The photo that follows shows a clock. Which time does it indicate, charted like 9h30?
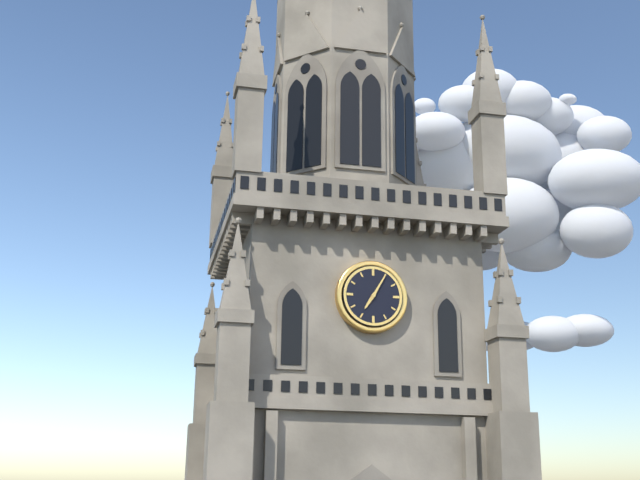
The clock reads 7h05
